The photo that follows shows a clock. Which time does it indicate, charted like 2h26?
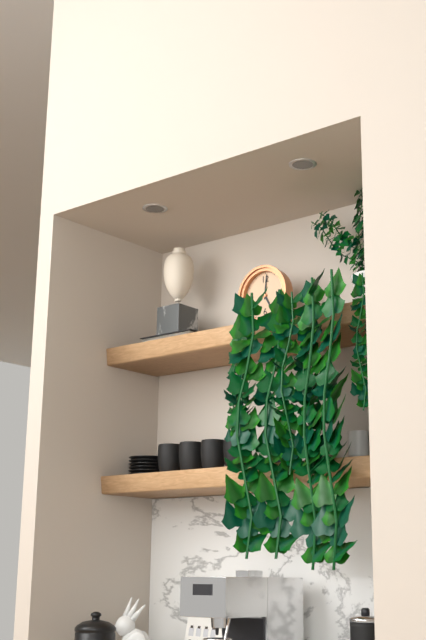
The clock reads 5h01
